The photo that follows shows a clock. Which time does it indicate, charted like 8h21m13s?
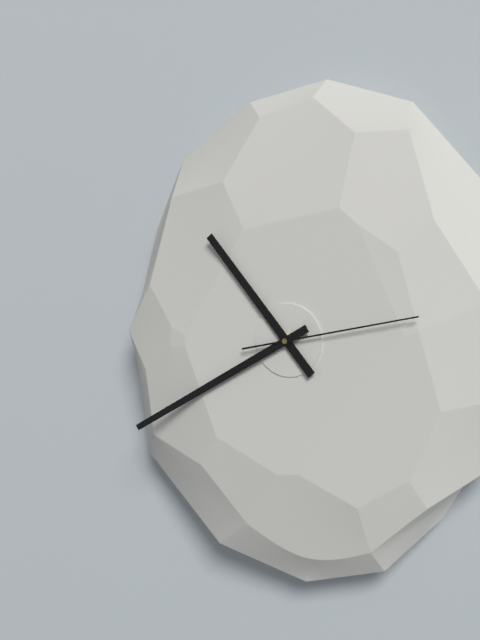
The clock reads 10h40m13s
